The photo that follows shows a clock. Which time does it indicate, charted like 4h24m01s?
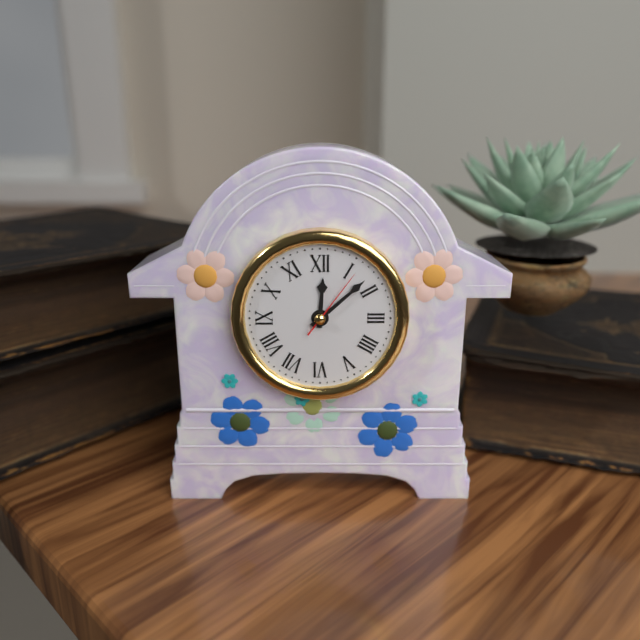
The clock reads 12h08m06s
